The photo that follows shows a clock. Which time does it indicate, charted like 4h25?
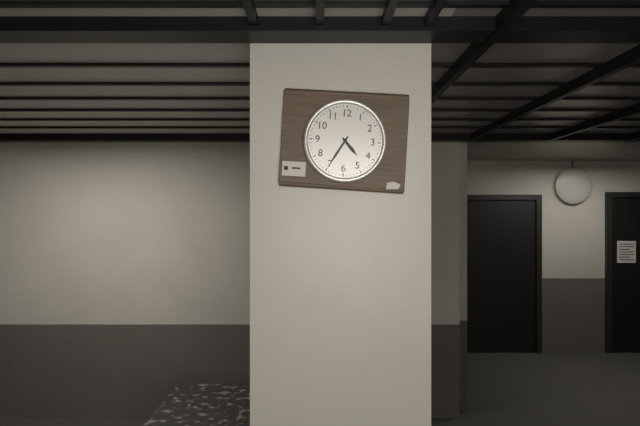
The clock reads 4h35
